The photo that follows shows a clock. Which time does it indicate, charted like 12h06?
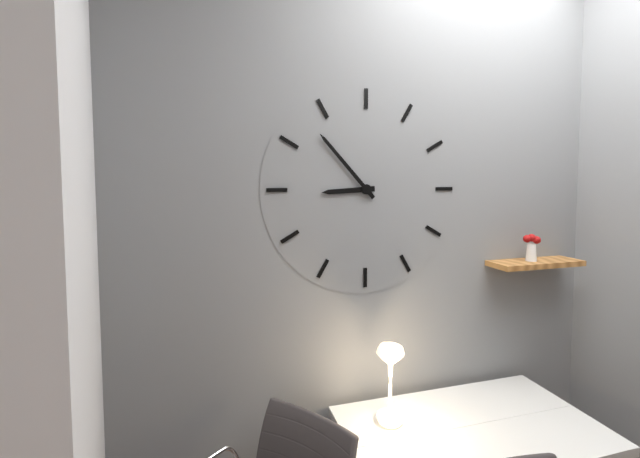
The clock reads 8h53
